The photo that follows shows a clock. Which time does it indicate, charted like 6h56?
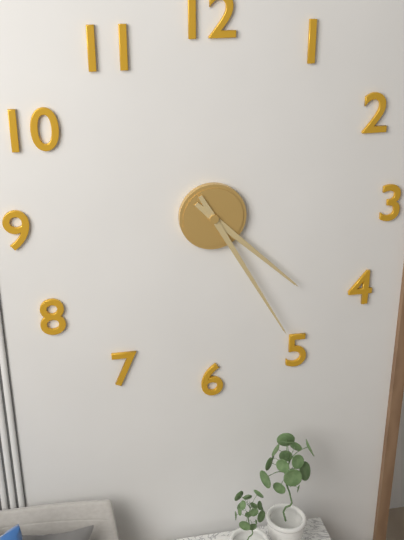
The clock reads 4h25
